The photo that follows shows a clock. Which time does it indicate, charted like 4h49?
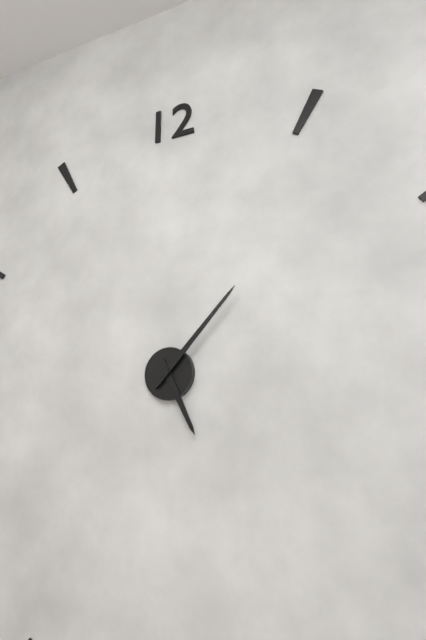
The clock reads 5h07
